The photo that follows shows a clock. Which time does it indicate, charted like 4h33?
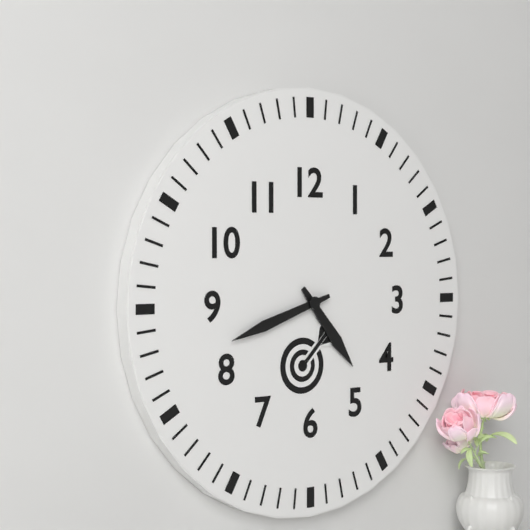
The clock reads 4h42
